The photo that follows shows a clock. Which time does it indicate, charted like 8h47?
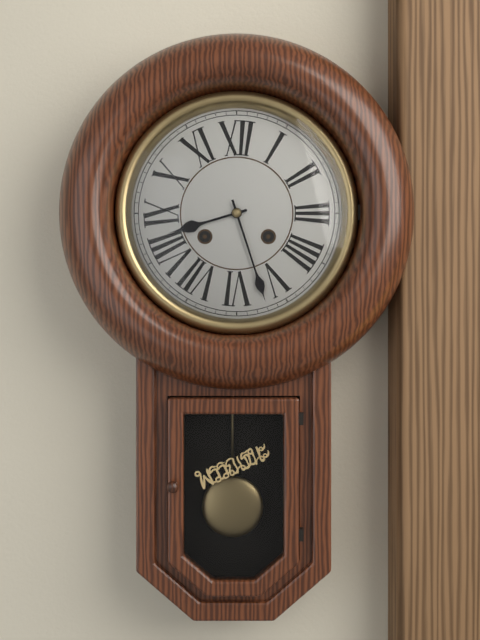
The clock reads 8h27
